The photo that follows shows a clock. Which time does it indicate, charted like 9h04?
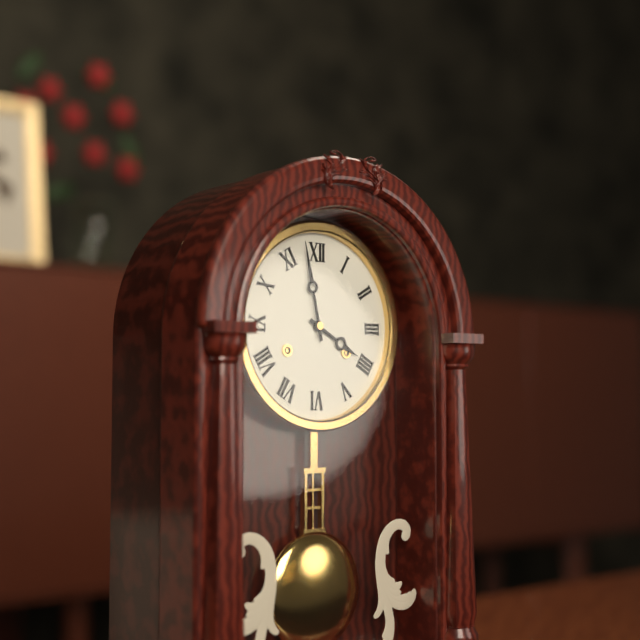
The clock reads 3h58
